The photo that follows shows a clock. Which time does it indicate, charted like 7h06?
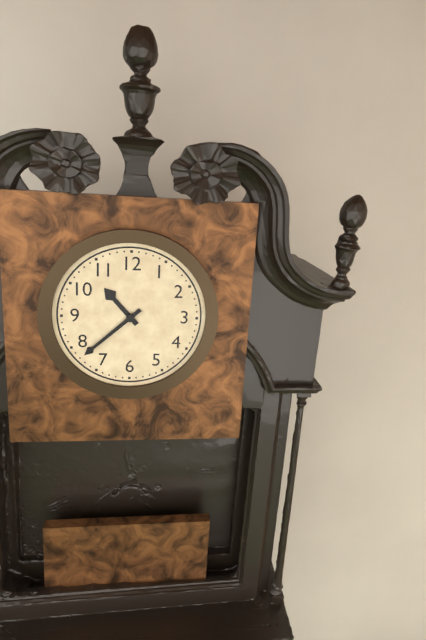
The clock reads 10h38
